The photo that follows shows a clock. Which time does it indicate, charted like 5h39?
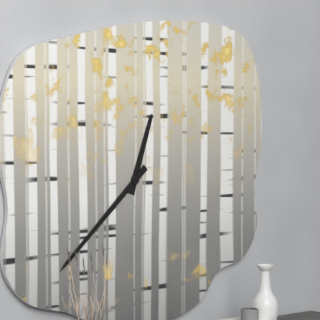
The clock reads 12h38
